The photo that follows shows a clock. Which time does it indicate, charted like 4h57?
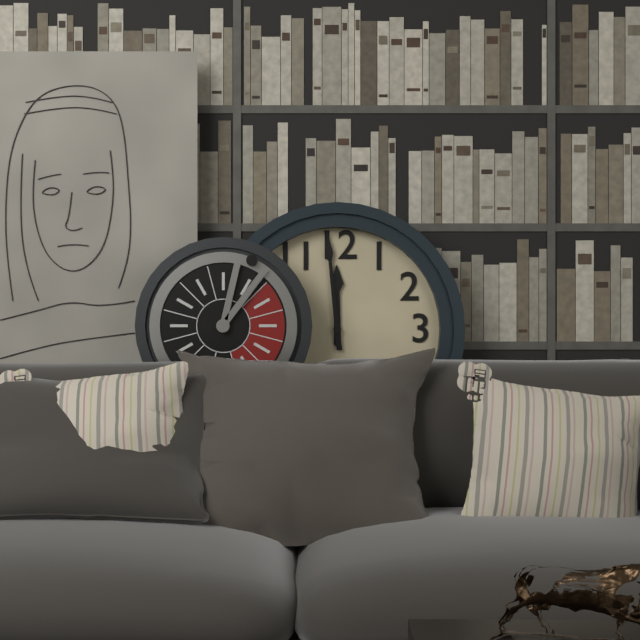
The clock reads 11h59
